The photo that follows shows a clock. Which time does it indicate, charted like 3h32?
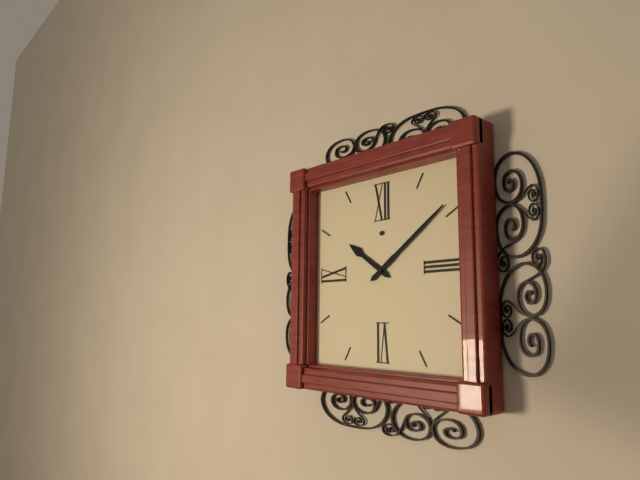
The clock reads 10h09
